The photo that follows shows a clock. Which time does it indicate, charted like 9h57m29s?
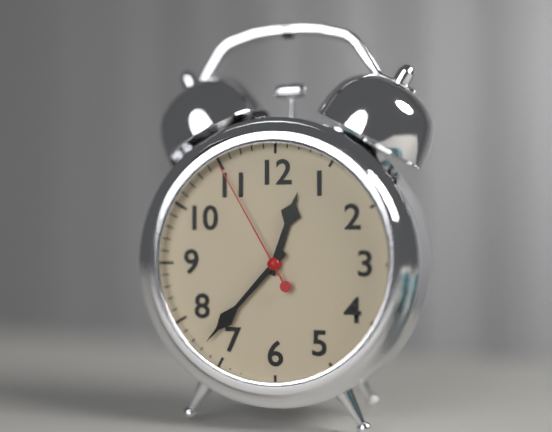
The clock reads 12h37m55s
